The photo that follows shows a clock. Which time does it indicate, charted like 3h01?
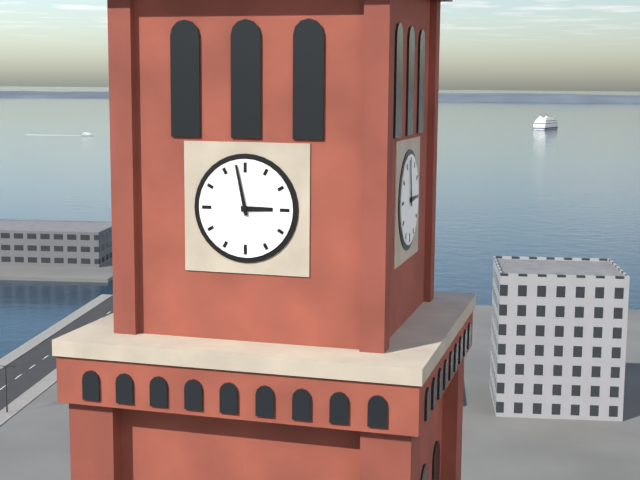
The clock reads 2h58
